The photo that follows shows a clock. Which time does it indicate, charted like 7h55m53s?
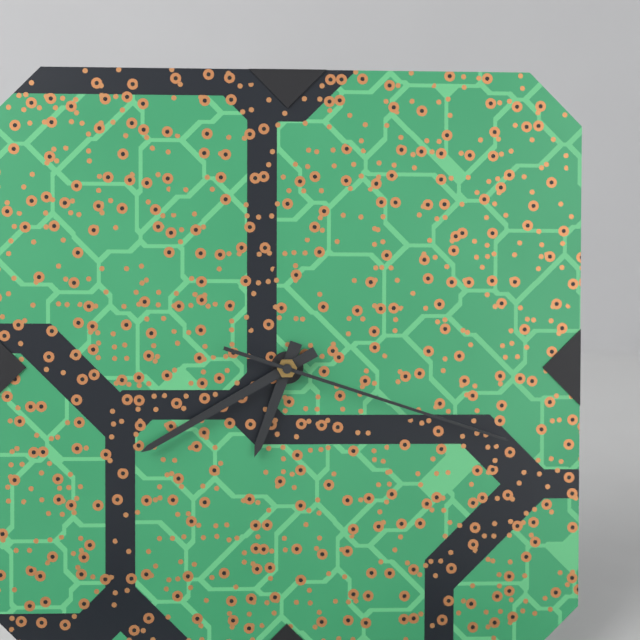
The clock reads 6h40m18s
